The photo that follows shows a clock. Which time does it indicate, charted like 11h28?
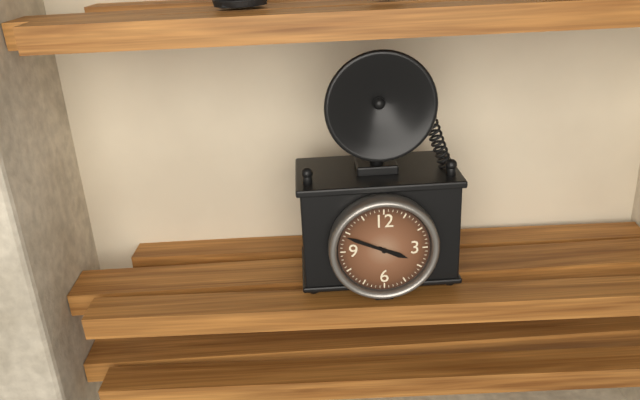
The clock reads 3h49
